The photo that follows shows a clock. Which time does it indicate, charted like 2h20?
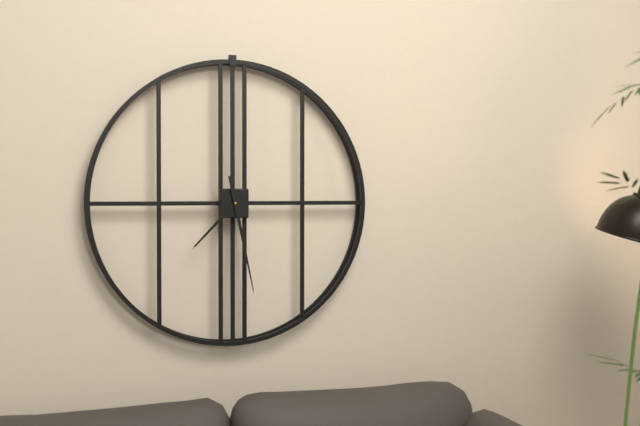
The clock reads 7h28
